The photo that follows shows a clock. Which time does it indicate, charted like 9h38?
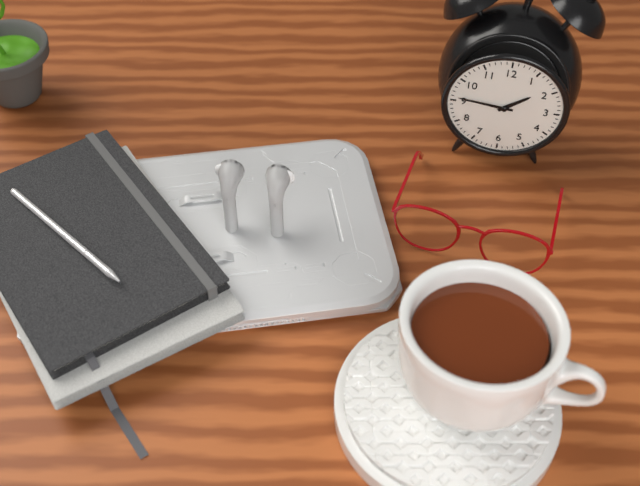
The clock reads 1h46
